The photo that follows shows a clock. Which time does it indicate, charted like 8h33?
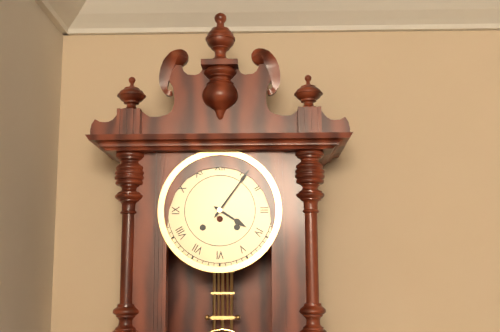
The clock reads 4h06
